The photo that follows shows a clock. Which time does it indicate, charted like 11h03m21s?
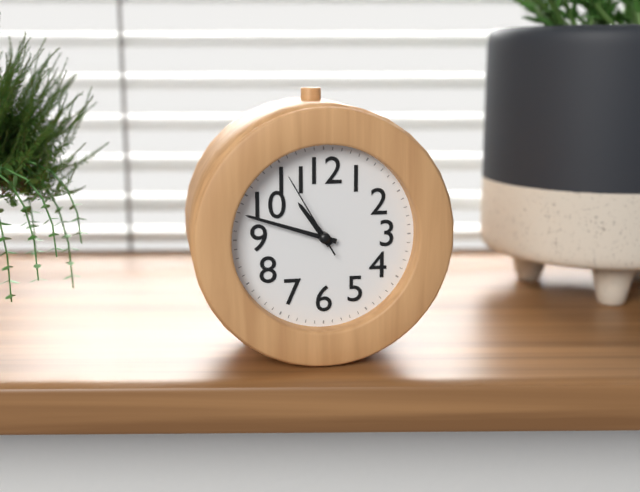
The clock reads 10h48m55s
